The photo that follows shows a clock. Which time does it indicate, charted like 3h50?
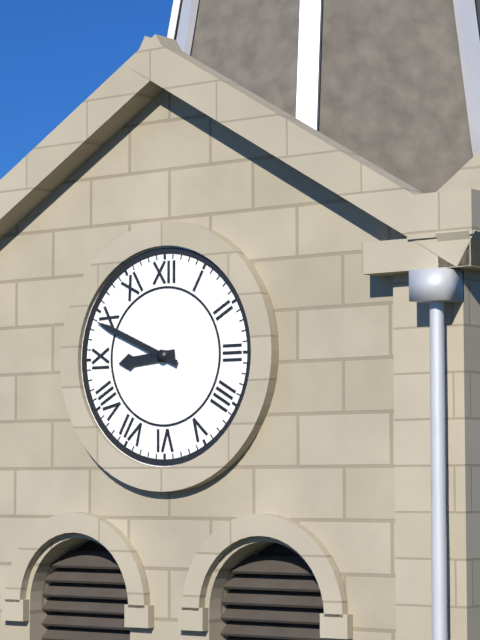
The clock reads 8h49
